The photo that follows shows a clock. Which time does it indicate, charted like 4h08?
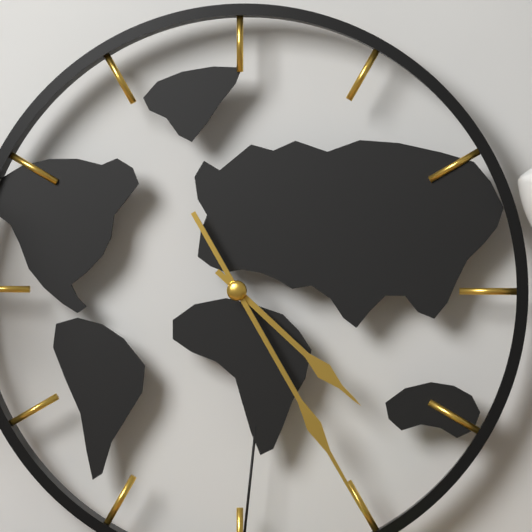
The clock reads 4h25
